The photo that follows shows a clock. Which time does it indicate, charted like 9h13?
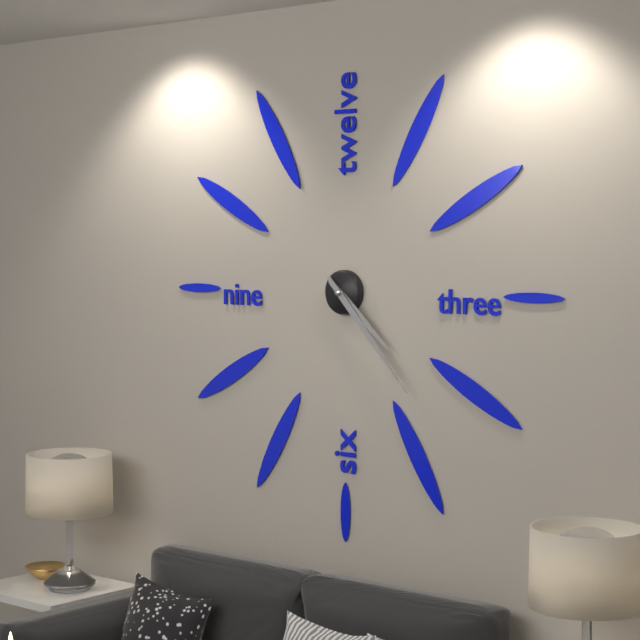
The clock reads 4h23
